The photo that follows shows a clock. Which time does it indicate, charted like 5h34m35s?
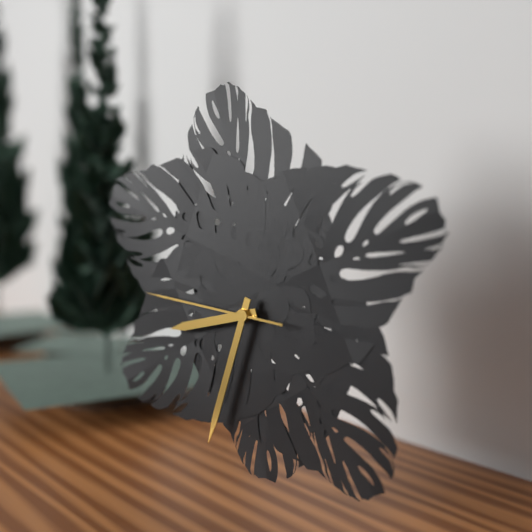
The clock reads 8h33m46s
